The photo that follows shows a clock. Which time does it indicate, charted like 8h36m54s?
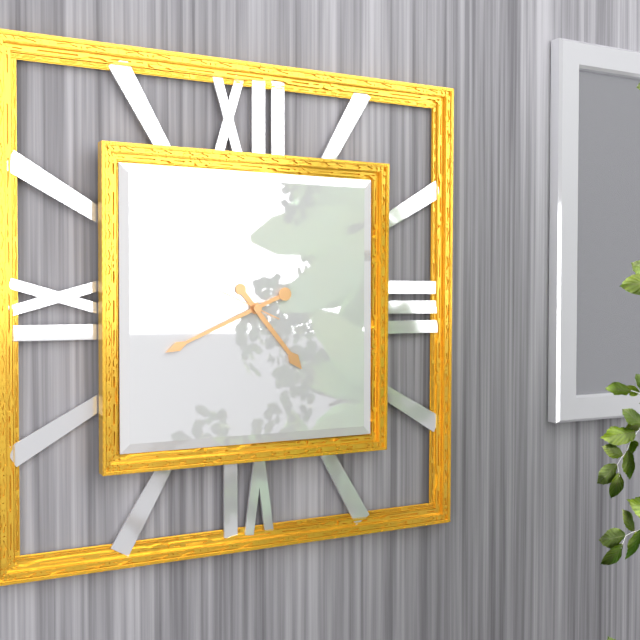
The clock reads 4h41m49s
